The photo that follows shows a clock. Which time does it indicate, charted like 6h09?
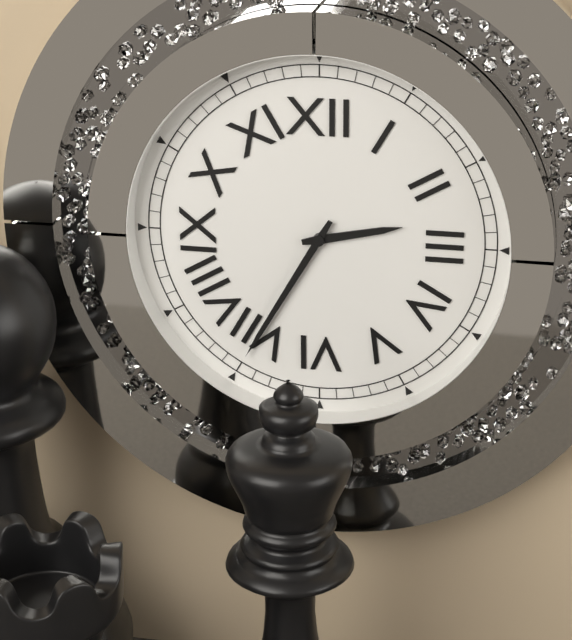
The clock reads 2h35
